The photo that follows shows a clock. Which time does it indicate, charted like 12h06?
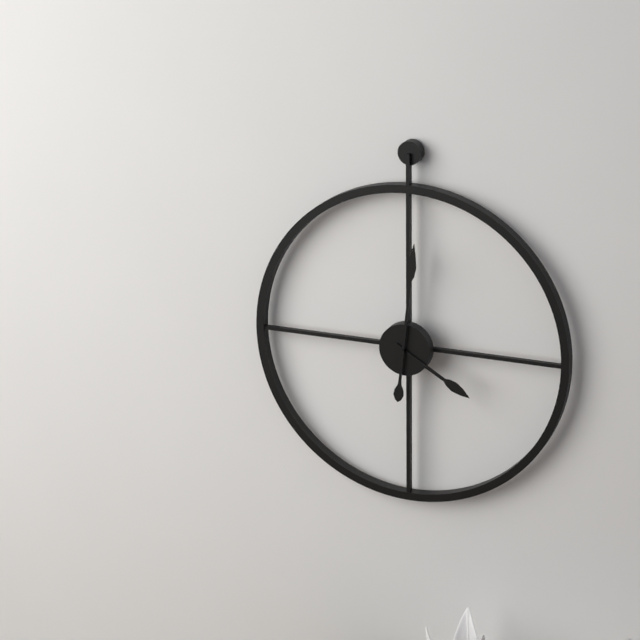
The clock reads 4h01
